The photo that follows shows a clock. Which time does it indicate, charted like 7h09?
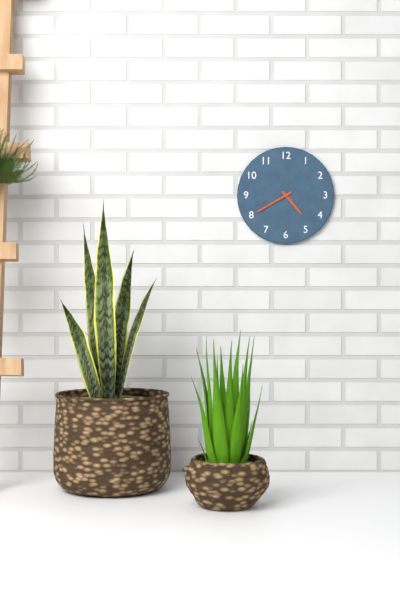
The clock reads 4h40
